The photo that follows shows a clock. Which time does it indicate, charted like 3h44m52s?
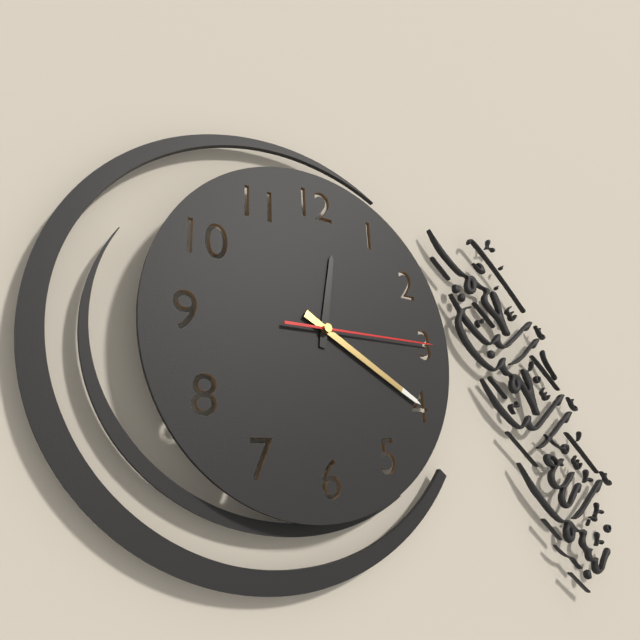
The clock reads 12h20m15s
